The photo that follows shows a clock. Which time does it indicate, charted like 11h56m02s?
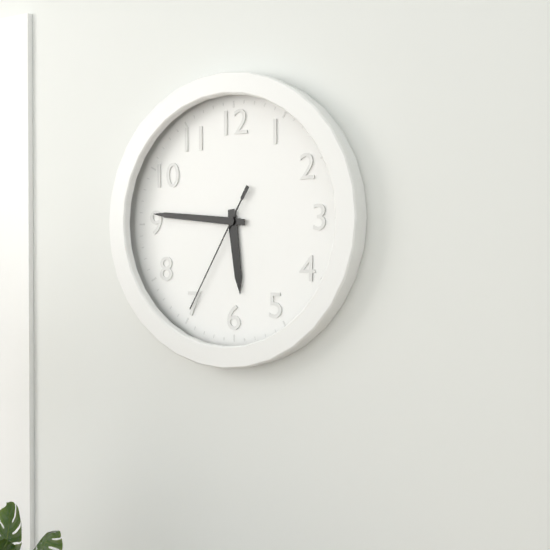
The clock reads 5h46m35s
